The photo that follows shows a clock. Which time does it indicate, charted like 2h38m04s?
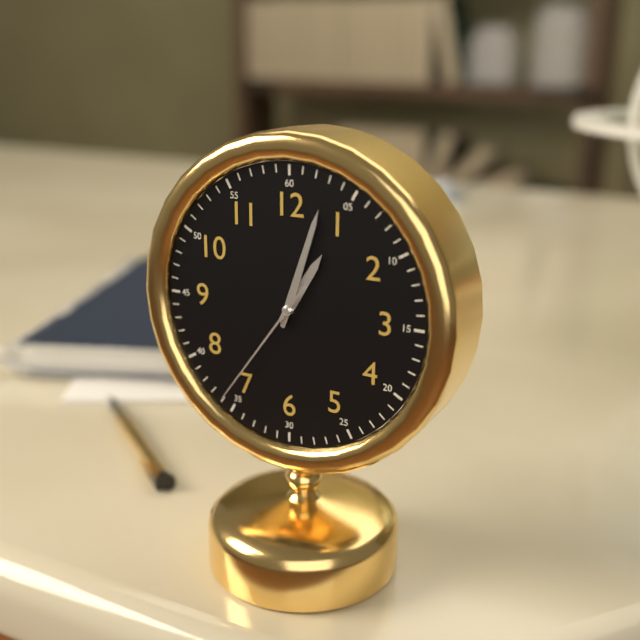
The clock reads 1h03m36s
